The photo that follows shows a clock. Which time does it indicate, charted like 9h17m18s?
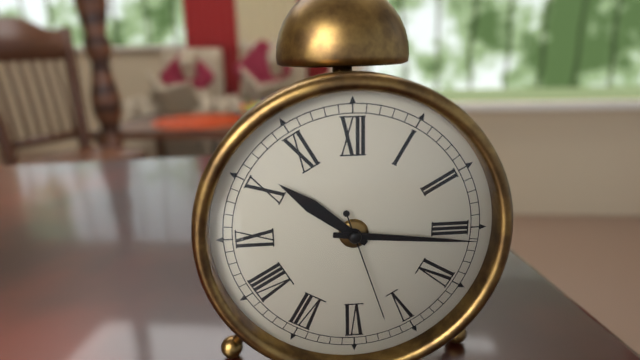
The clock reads 10h16m27s
